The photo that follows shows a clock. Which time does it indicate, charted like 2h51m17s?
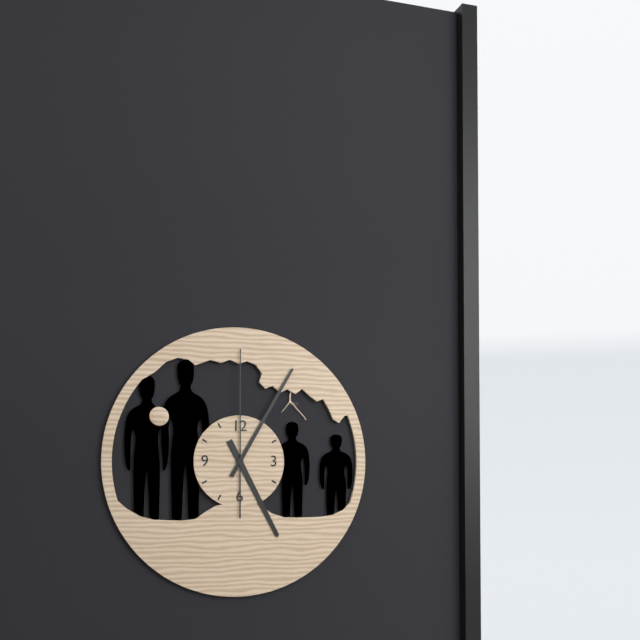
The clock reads 5h05m00s
